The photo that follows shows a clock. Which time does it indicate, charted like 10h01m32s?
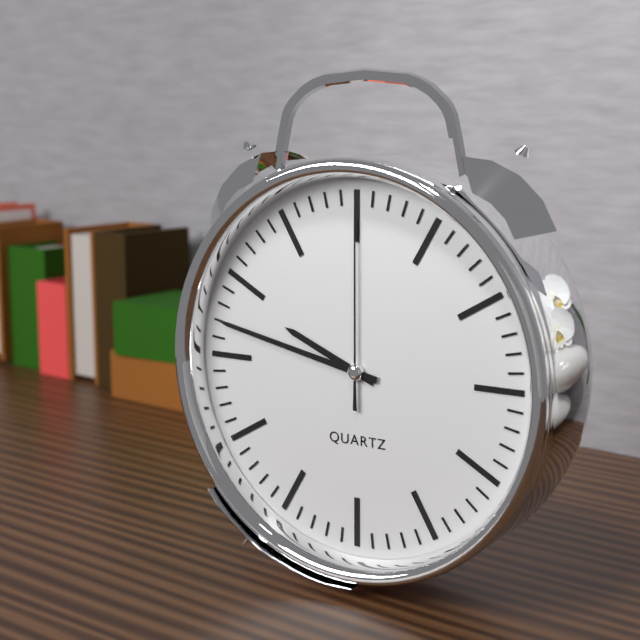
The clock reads 9h47m00s
